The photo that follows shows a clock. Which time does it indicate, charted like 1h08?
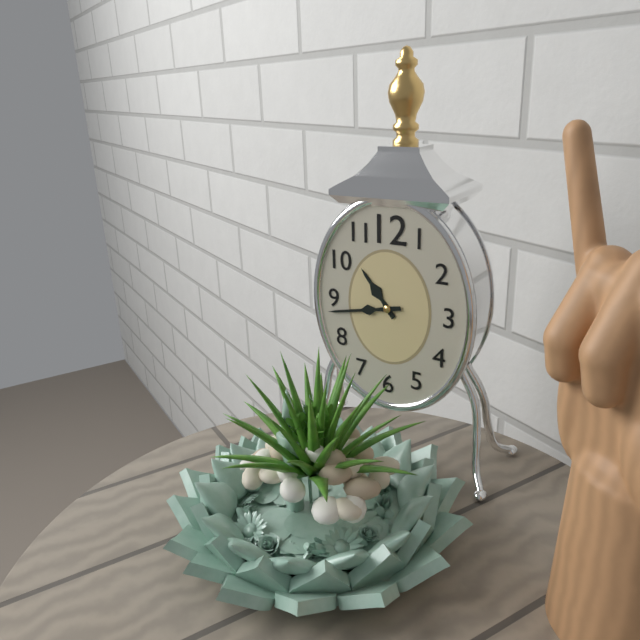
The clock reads 10h43
